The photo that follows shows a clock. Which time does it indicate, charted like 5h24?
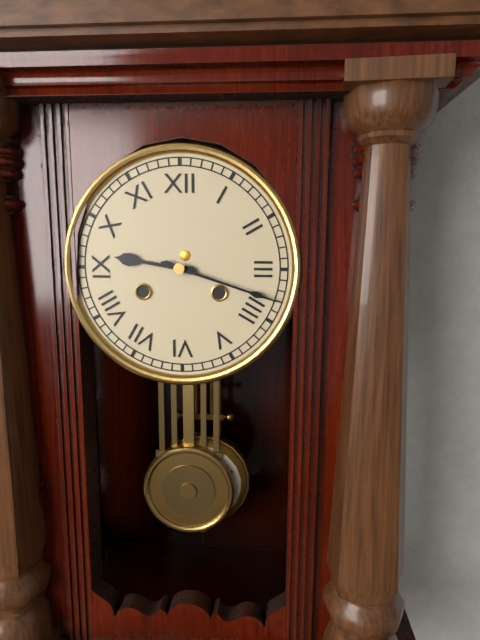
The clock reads 9h18
